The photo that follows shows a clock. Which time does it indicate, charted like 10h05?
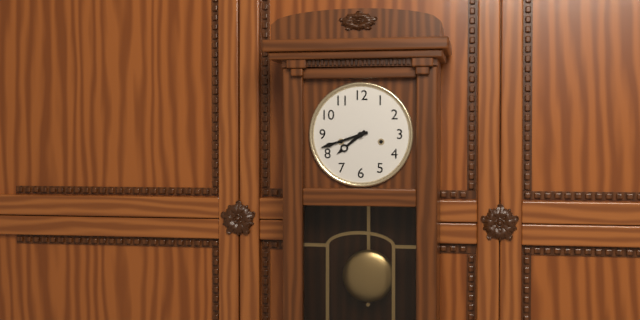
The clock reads 7h42
